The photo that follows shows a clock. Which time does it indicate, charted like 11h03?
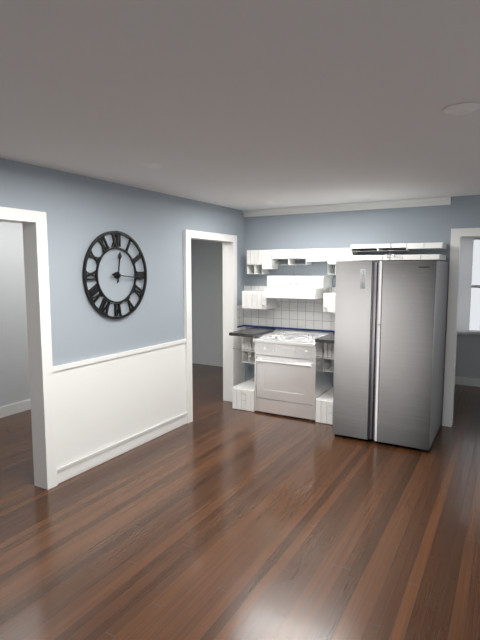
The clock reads 12h16
